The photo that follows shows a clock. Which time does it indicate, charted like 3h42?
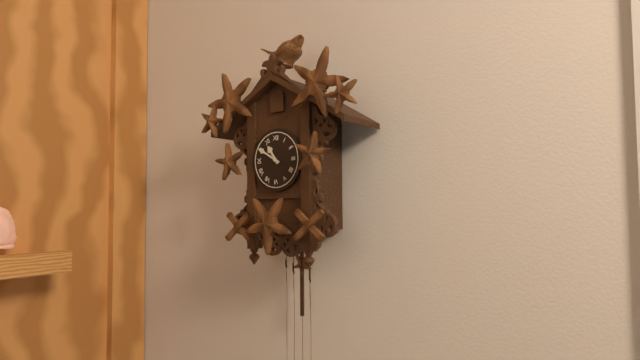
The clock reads 10h50
